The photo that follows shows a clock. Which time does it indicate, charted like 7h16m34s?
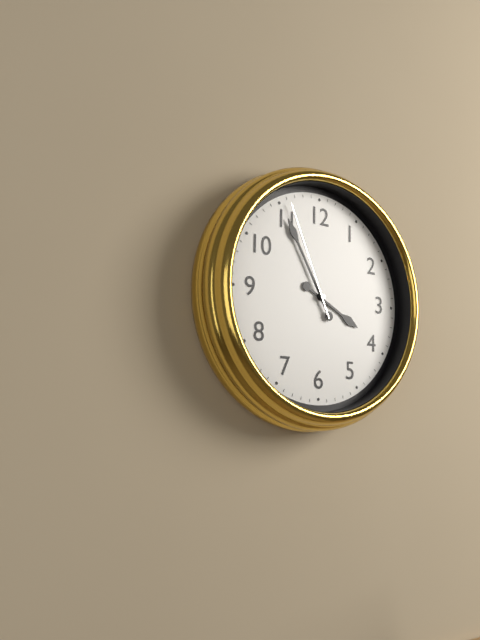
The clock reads 3h55m56s
